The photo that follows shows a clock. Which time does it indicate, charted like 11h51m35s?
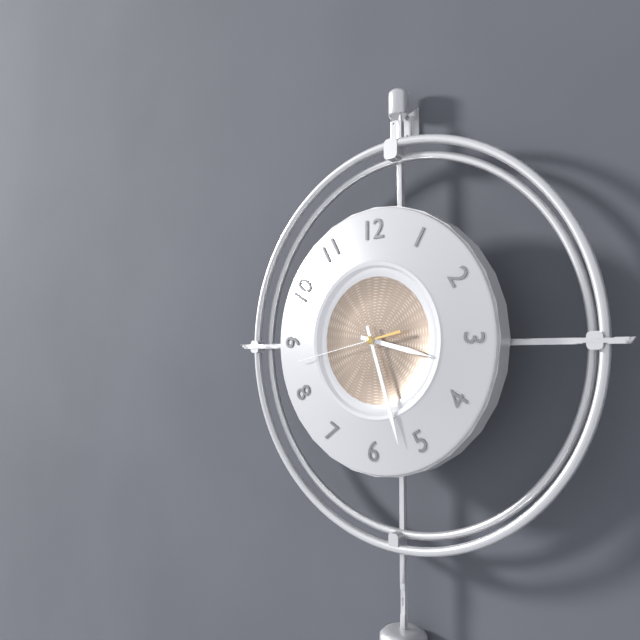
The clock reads 3h27m43s
